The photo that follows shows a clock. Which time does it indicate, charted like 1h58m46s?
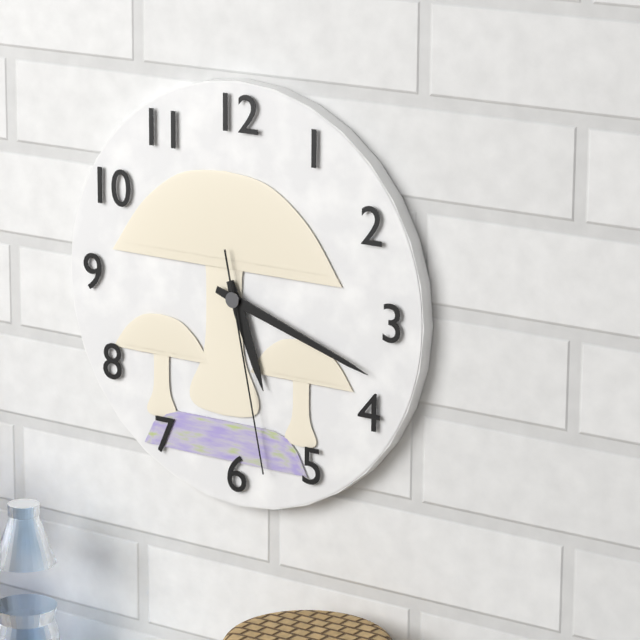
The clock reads 5h18m28s
